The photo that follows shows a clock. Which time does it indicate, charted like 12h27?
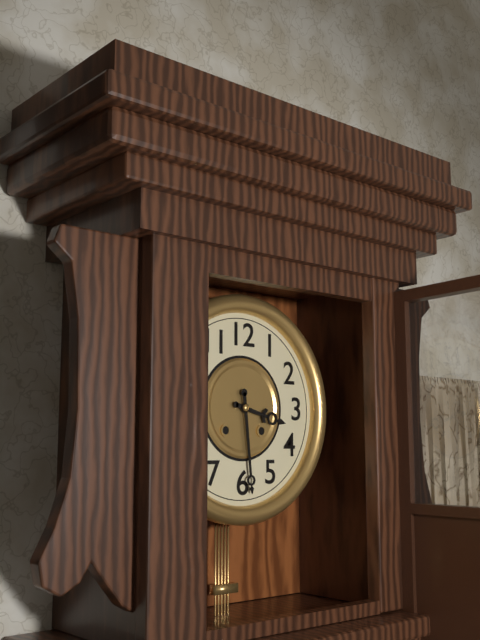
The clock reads 3h29
